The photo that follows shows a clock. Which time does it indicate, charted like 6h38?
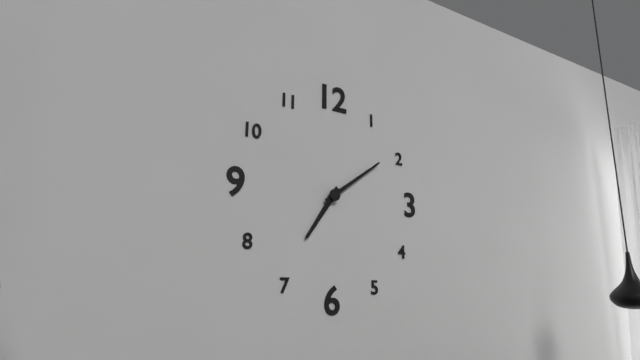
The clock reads 7h09
